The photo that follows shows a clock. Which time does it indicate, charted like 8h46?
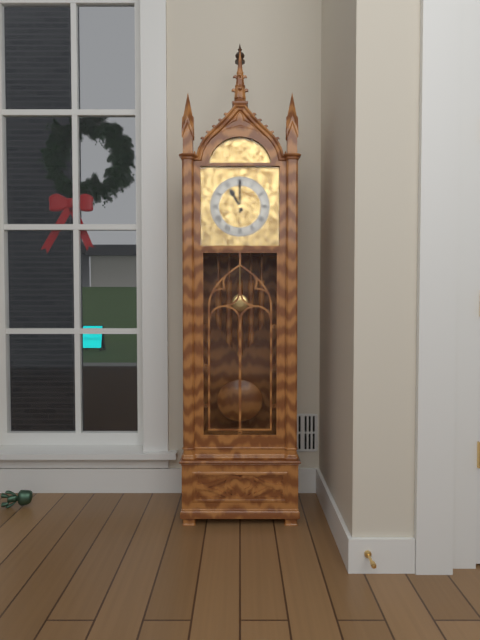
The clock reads 11h00
